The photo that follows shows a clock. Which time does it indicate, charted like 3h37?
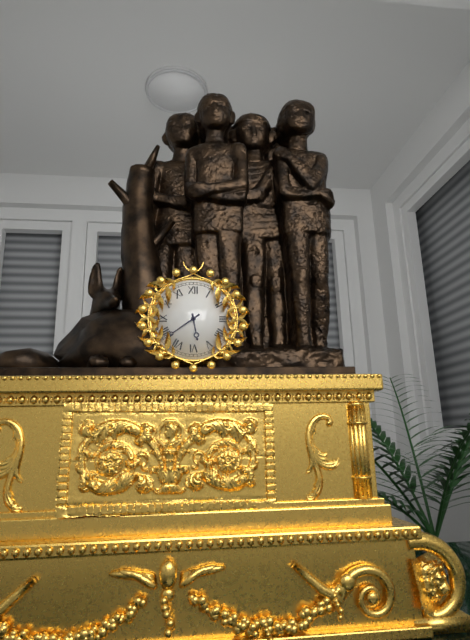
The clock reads 5h39
